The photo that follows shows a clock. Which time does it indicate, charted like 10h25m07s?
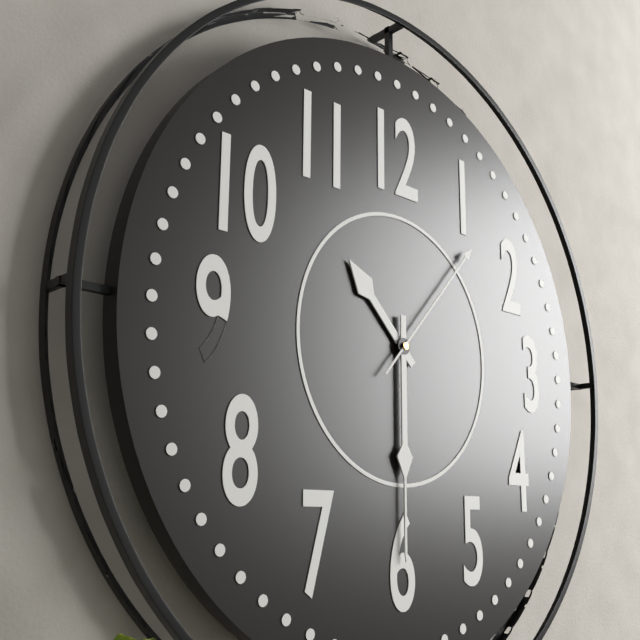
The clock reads 10h30m07s
